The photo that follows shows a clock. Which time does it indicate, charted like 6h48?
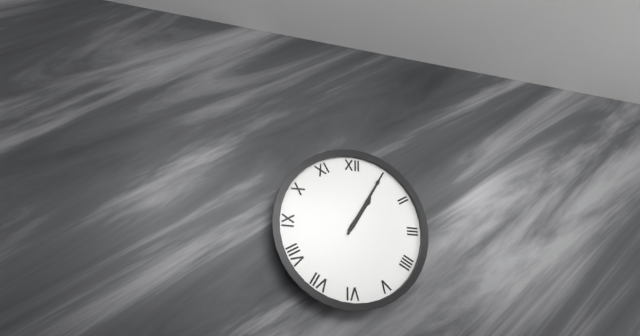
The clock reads 1h05
